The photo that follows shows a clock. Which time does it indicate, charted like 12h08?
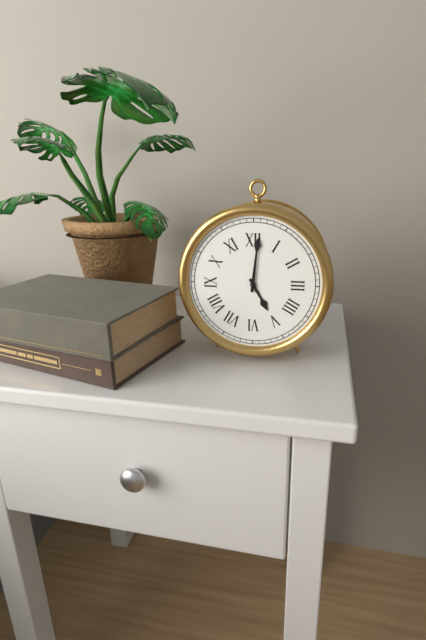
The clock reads 5h01
